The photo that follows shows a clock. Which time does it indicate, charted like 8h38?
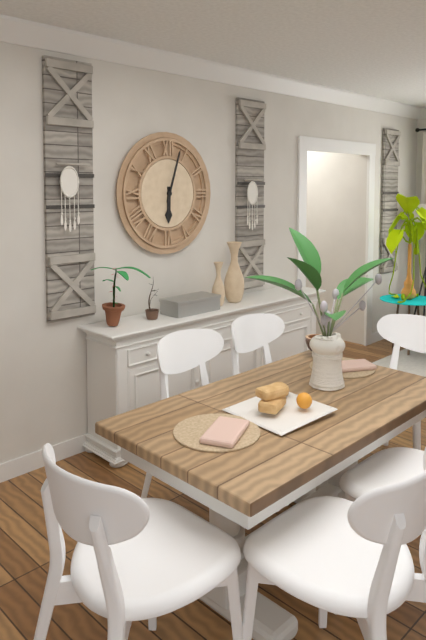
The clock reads 6h03
